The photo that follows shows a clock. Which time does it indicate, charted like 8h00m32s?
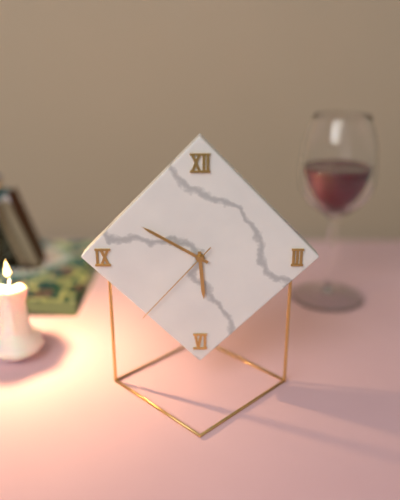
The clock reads 5h50m37s
